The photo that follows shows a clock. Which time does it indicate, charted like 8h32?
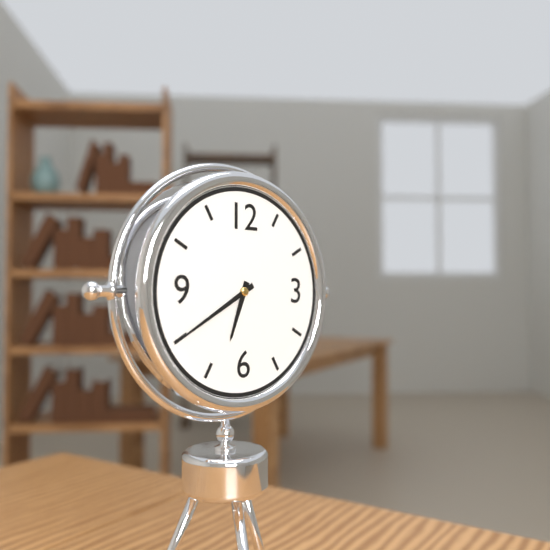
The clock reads 6h40
